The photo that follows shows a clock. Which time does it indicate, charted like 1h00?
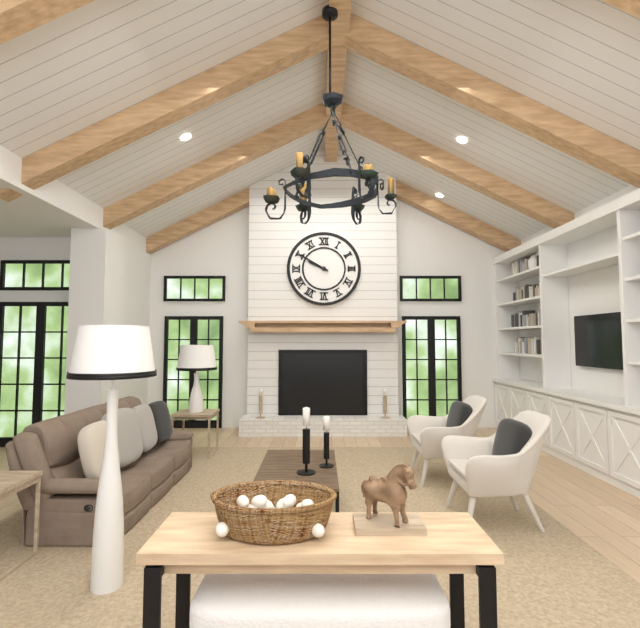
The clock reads 9h50
